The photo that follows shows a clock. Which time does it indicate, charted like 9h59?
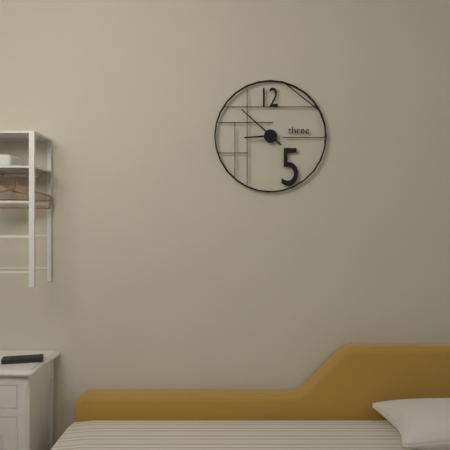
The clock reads 8h52
